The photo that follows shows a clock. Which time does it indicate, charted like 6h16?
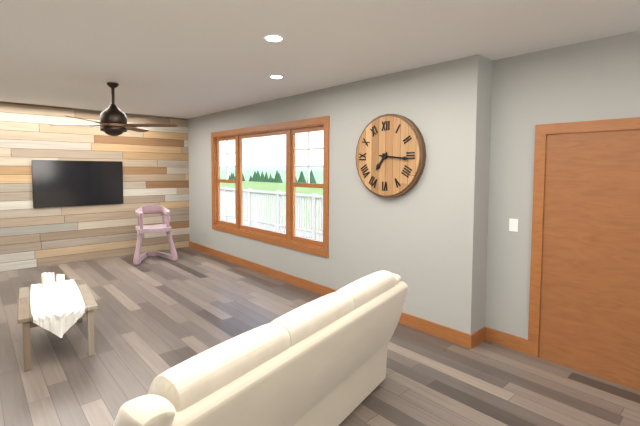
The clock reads 7h16
